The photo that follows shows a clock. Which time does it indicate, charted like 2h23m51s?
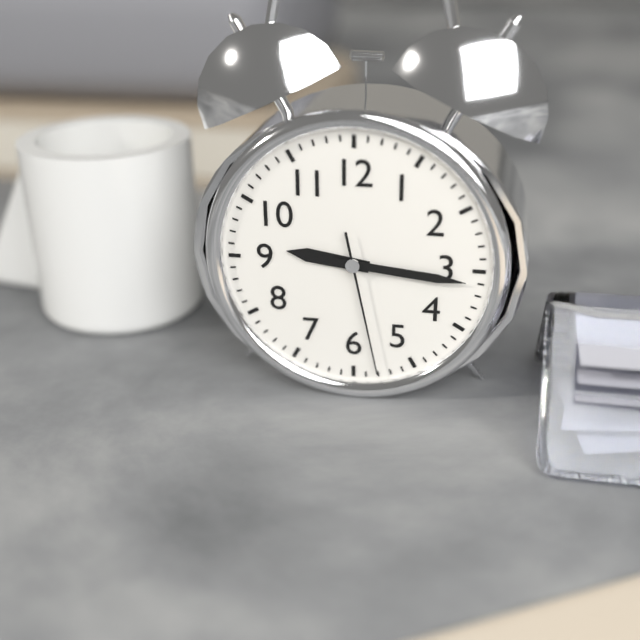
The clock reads 9h16m28s
